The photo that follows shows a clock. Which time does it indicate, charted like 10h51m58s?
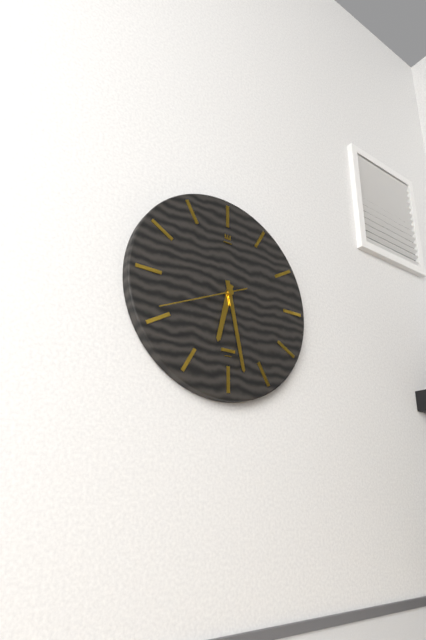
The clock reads 6h28m41s
